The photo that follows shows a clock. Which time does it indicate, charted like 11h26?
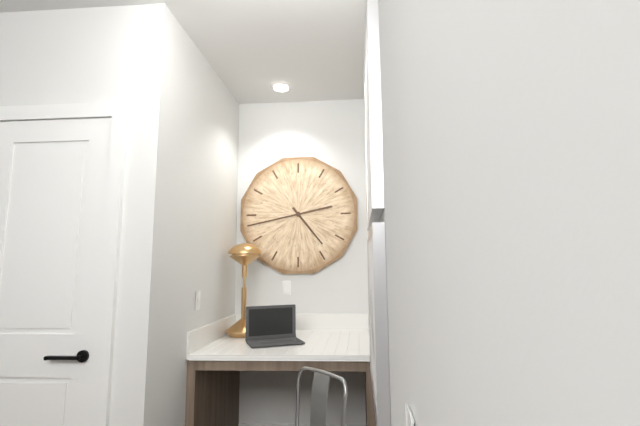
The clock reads 4h43
